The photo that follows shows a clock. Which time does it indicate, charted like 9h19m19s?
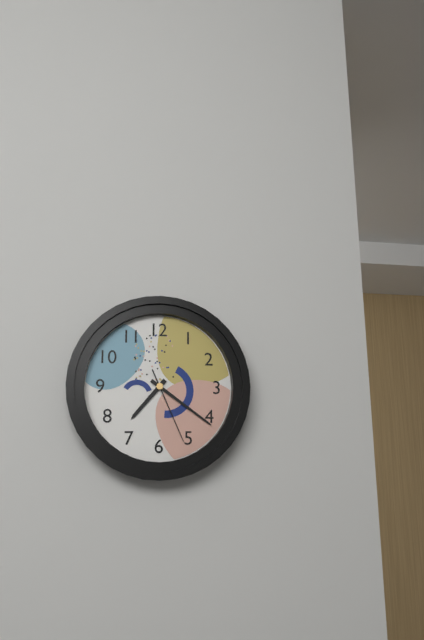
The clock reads 7h21m26s
